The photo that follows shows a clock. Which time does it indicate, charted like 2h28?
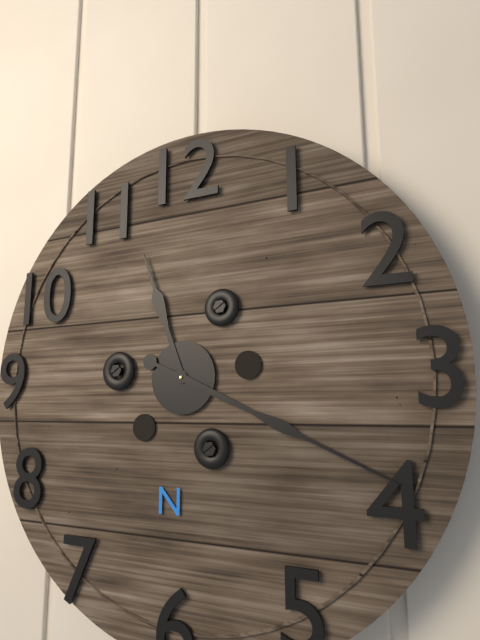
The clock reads 11h19
